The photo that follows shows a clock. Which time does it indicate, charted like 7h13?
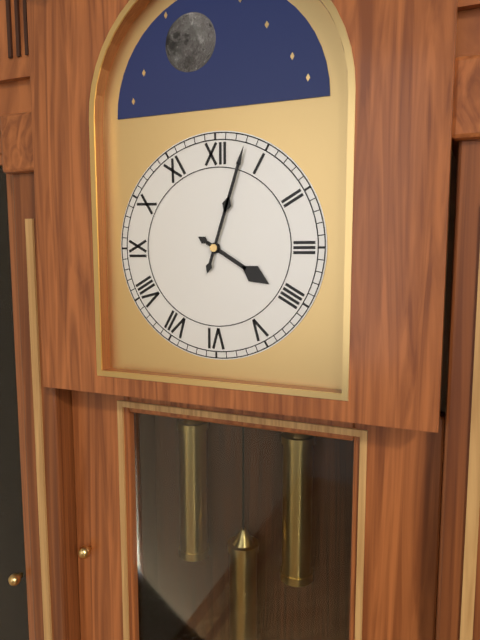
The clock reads 4h03
